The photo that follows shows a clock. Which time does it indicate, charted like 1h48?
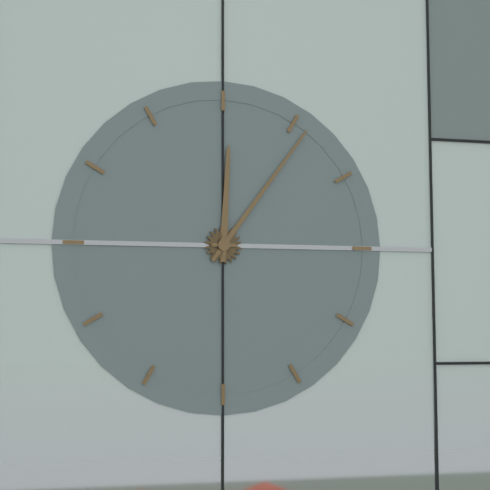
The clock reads 12h06
